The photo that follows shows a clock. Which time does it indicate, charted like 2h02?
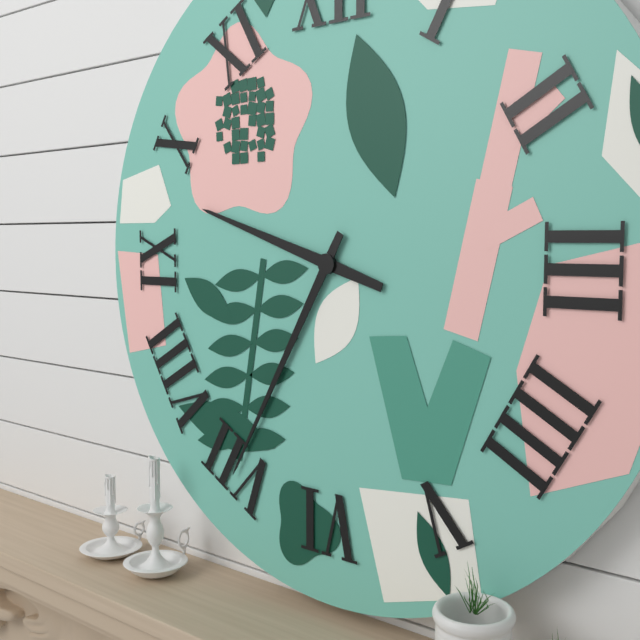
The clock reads 9h35
